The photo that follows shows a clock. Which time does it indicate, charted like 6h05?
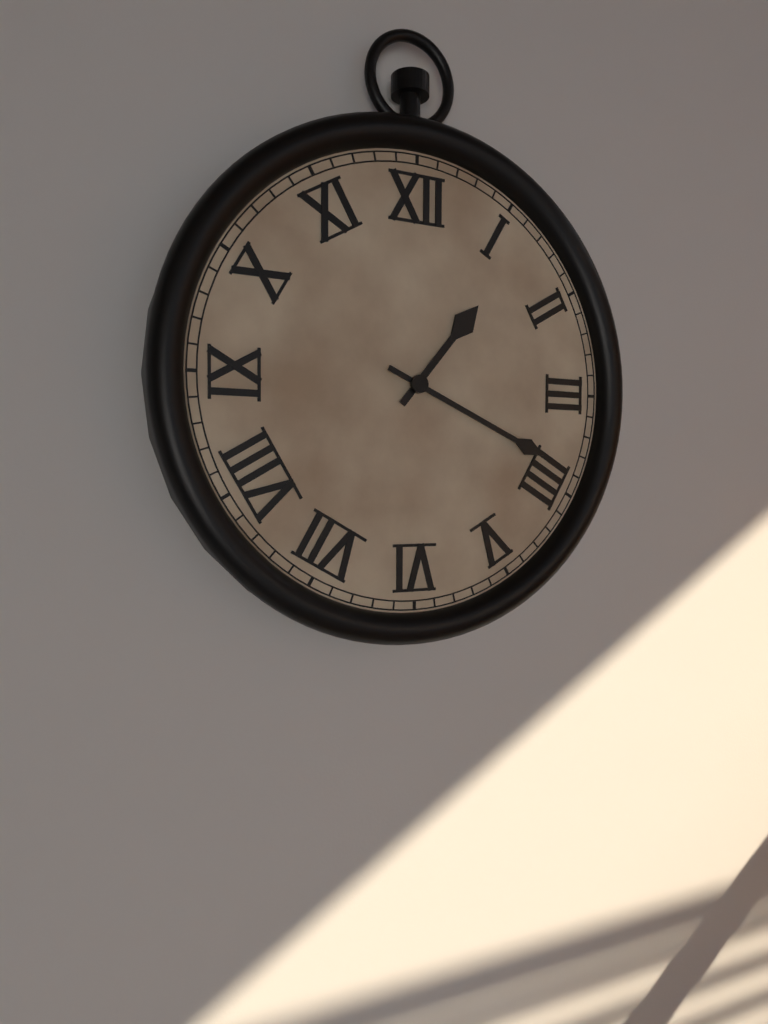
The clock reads 1h19
